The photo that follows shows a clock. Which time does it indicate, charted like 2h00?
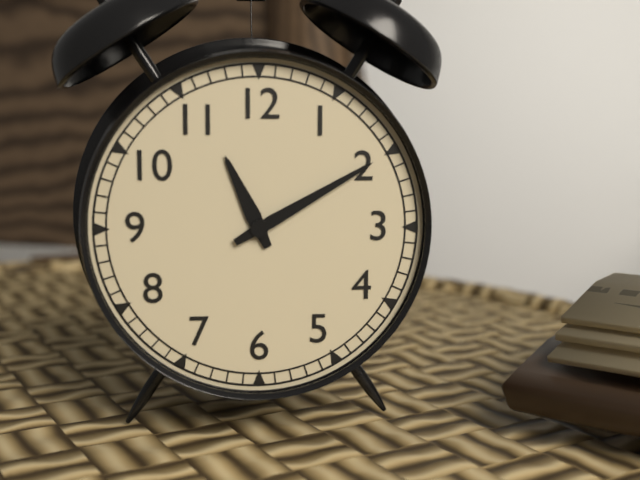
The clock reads 11h10
